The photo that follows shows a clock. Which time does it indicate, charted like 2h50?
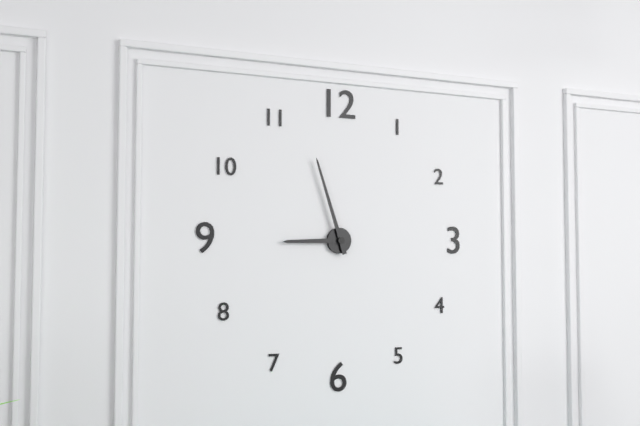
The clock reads 8h57
